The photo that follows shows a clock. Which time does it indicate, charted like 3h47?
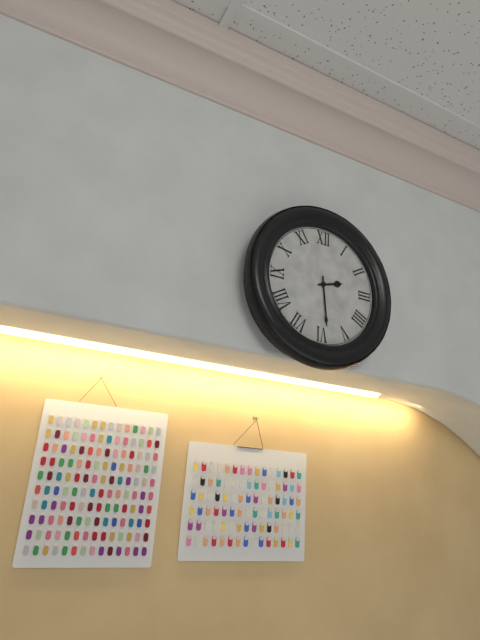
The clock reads 2h29
